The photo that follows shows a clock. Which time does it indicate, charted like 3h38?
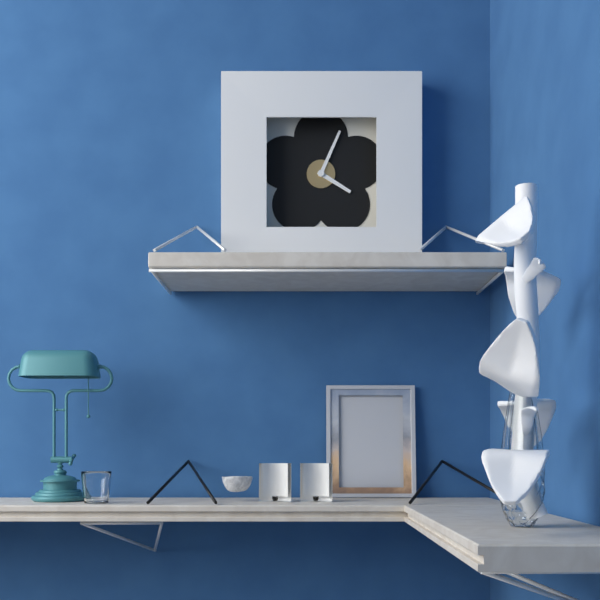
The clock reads 4h04
